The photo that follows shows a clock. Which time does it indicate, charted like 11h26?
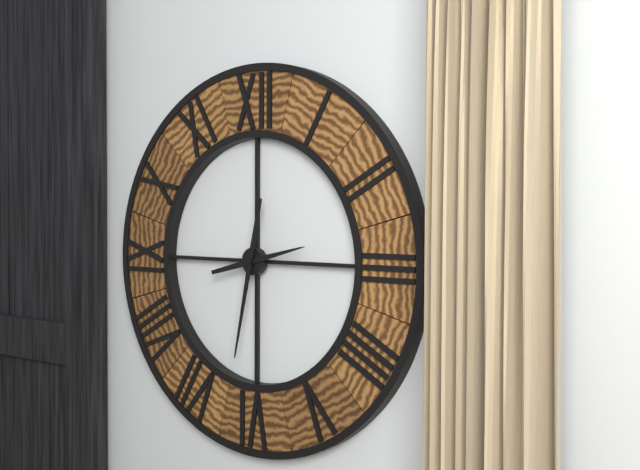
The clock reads 2h32
